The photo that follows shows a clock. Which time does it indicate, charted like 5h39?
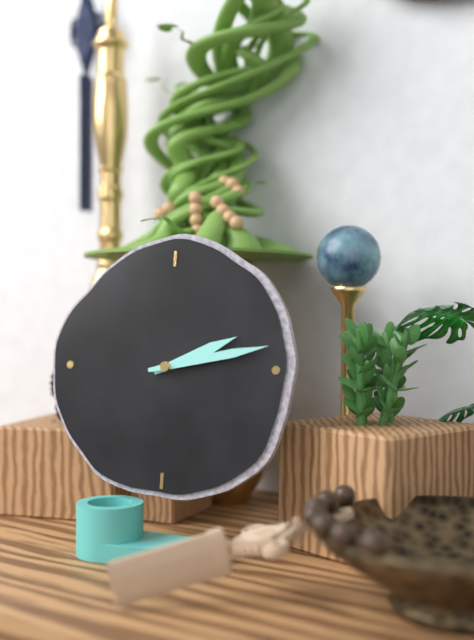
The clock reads 2h13
